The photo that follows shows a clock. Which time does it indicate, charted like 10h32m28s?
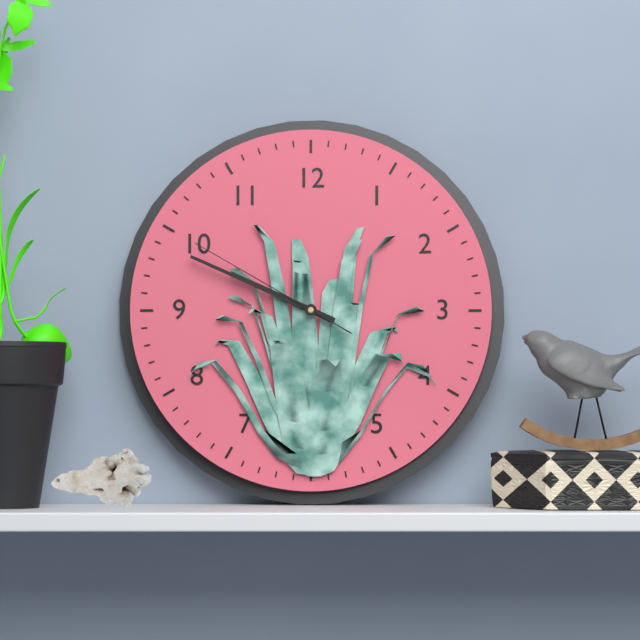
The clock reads 9h49m50s
